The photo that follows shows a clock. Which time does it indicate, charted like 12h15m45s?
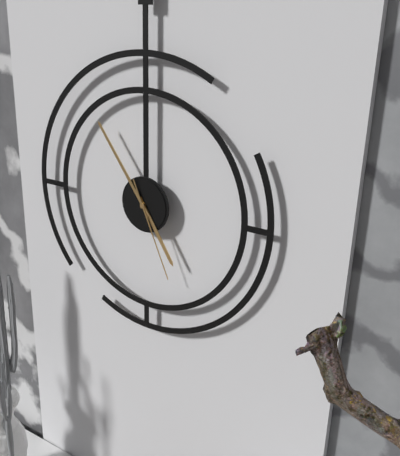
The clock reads 4h54m26s
